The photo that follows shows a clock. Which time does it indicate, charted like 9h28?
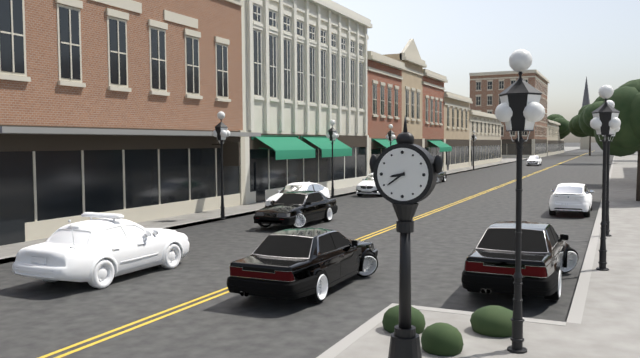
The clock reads 8h39
